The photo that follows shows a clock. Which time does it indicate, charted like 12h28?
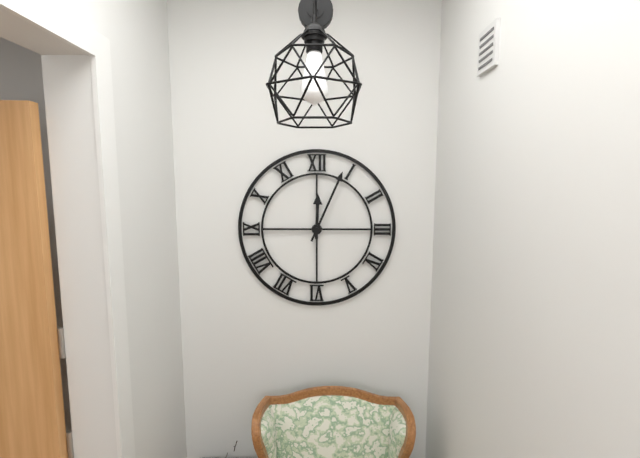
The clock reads 12h04
